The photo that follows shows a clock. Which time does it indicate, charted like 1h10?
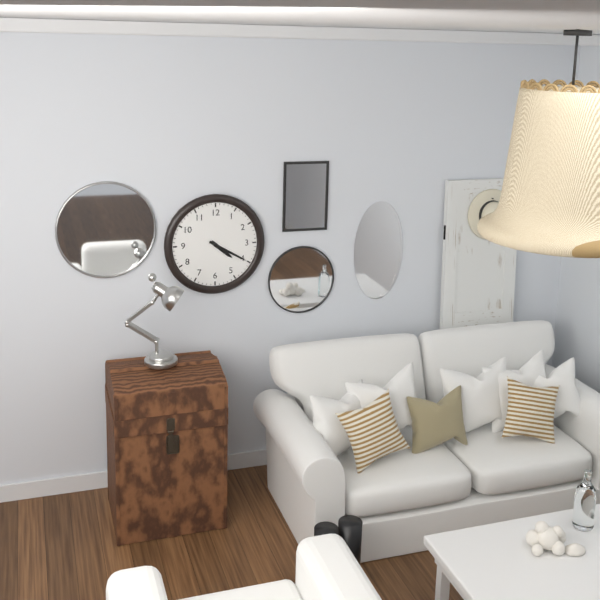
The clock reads 4h20
